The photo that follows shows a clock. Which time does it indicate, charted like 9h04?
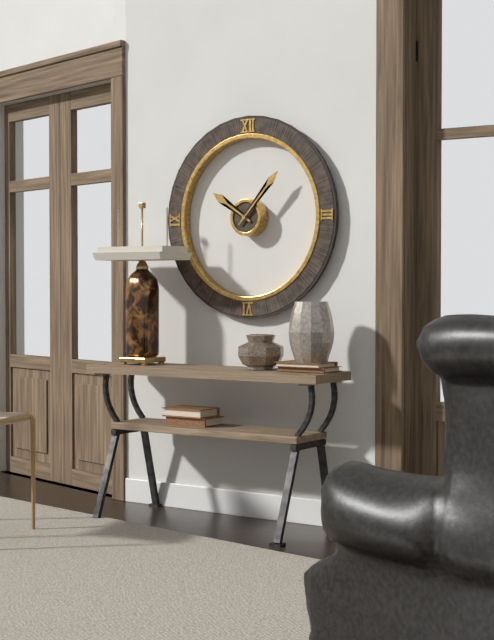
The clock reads 10h07
